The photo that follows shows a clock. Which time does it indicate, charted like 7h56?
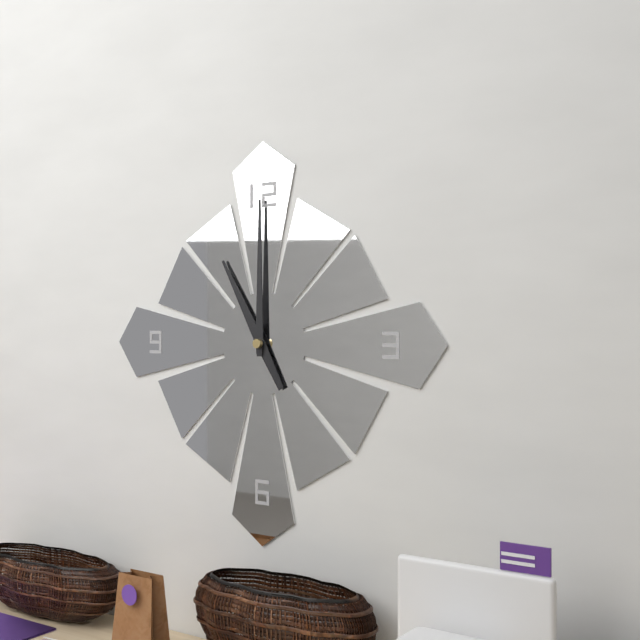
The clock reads 11h00
